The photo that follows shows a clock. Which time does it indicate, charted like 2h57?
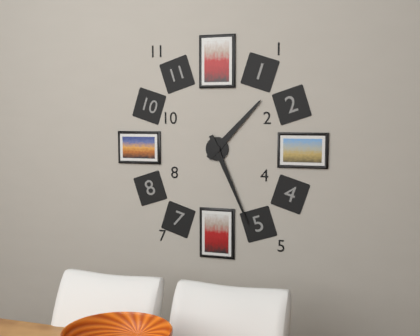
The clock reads 1h26
